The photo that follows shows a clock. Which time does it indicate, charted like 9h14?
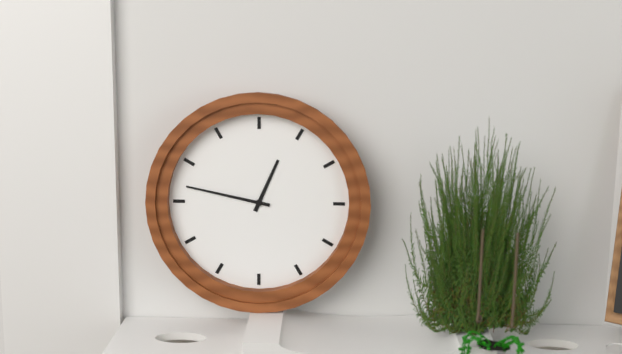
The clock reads 12h47
